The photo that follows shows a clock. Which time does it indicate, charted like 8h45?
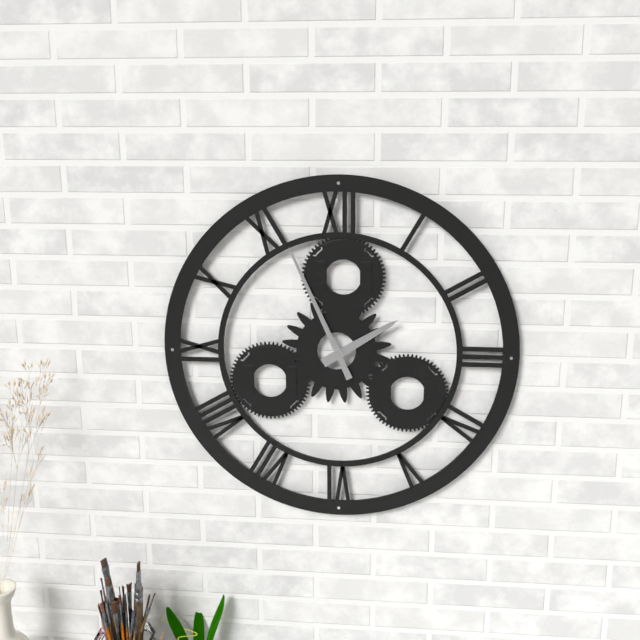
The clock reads 1h56
